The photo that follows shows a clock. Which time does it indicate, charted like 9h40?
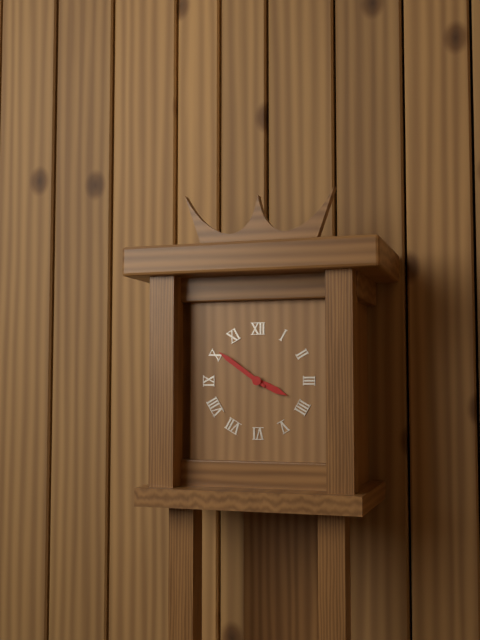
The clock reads 3h51
